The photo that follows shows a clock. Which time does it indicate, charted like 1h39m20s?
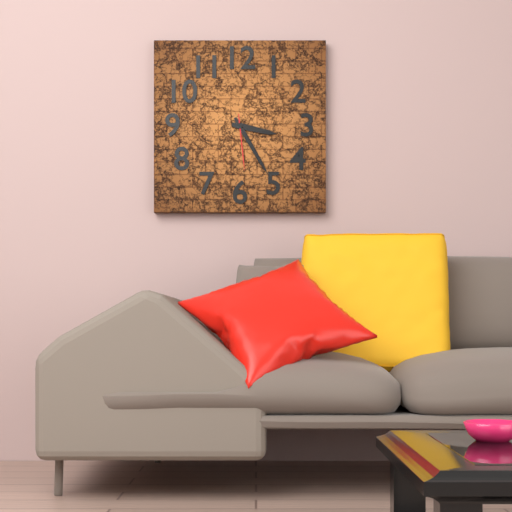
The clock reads 3h25m29s
